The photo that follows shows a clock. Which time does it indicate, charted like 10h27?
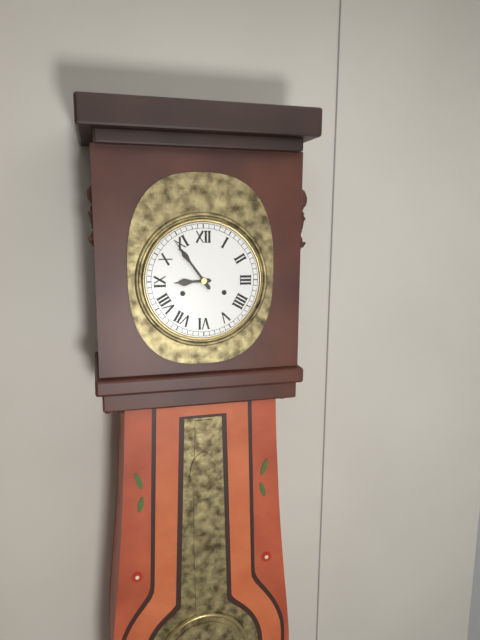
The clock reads 8h54
